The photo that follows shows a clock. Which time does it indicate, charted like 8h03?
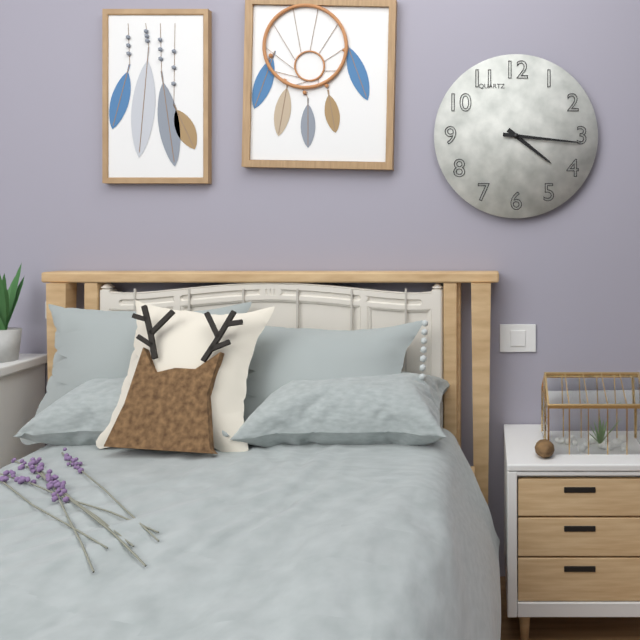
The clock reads 4h16
